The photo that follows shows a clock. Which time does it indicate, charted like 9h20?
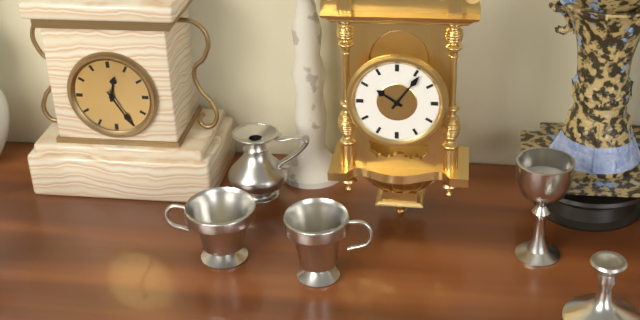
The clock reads 10h06
